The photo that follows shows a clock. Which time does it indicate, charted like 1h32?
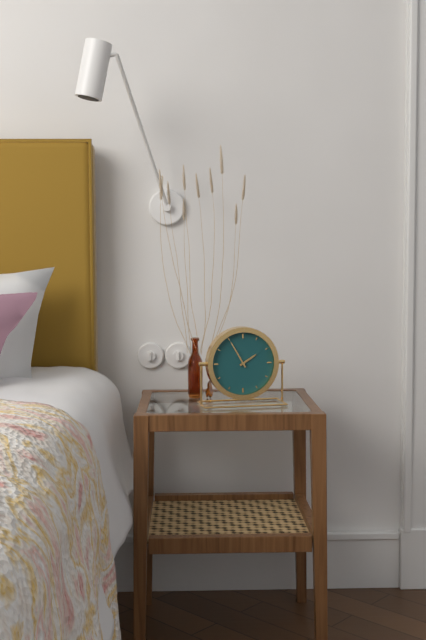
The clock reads 1h55
